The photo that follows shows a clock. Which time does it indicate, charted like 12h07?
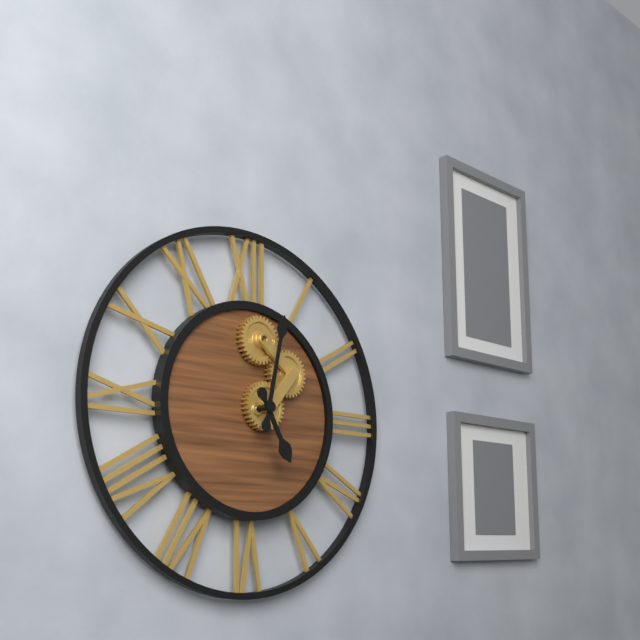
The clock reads 5h02
